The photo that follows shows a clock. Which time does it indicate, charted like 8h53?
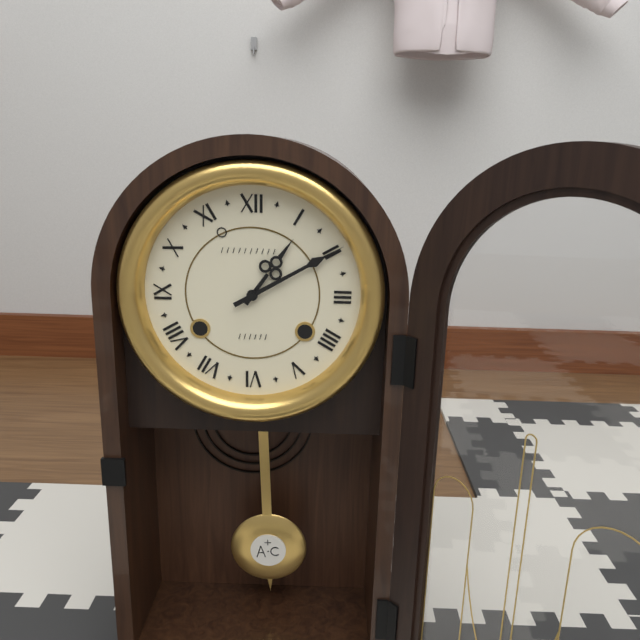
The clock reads 1h10
